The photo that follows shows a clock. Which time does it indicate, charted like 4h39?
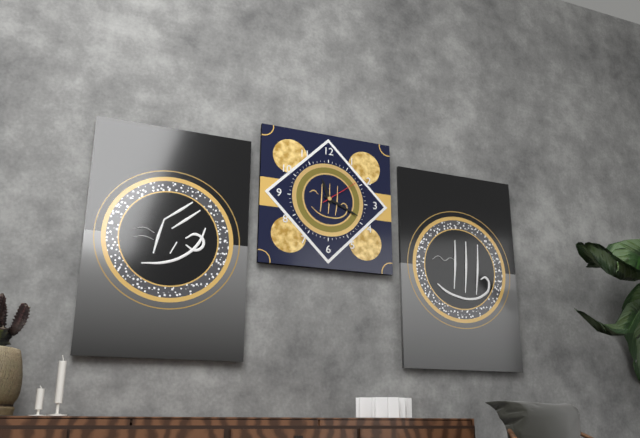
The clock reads 11h19
